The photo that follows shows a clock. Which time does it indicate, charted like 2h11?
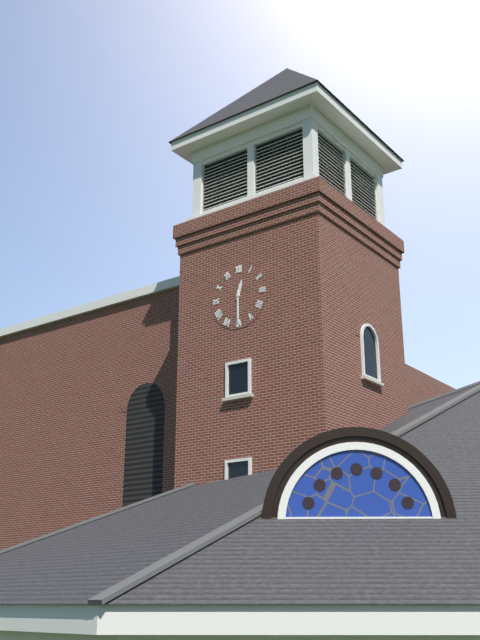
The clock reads 12h30
